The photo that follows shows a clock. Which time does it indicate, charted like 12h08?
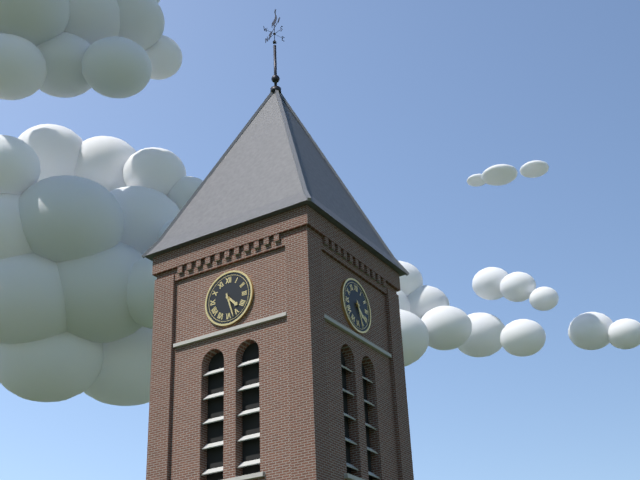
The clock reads 4h27
